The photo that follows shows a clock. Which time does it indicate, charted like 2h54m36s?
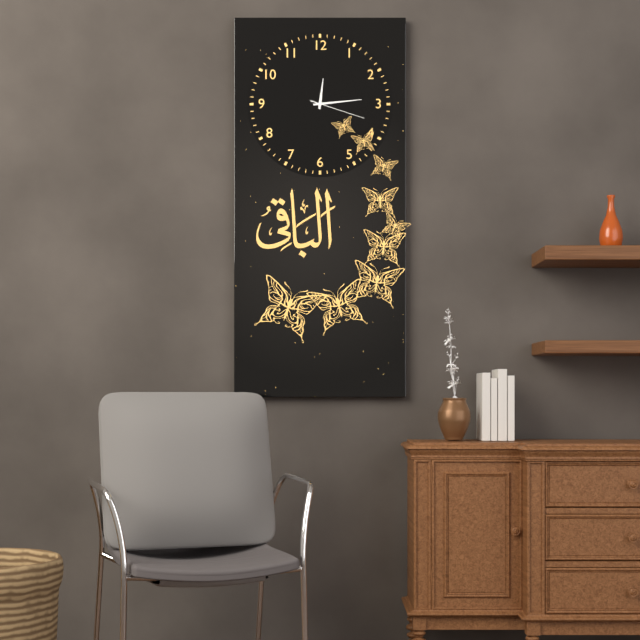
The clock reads 12h14m18s
